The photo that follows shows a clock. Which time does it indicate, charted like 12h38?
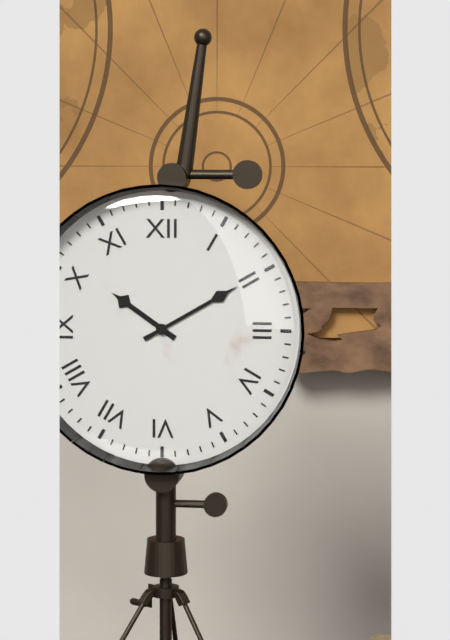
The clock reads 10h10
